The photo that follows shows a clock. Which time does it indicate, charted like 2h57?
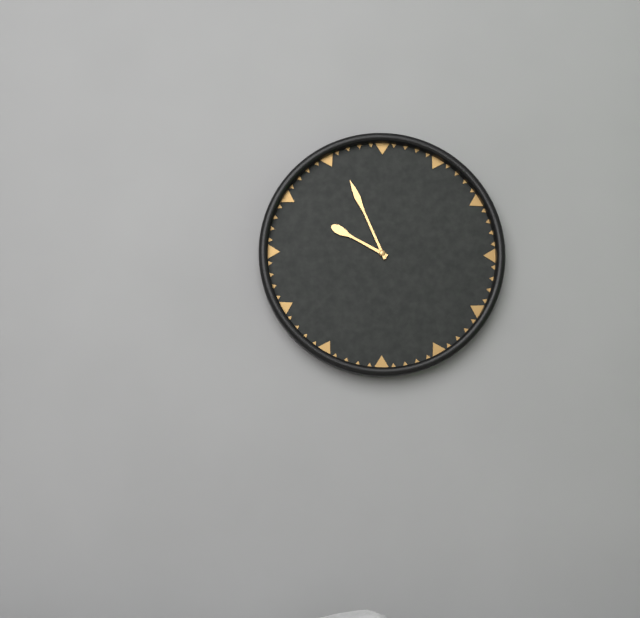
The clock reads 9h56
